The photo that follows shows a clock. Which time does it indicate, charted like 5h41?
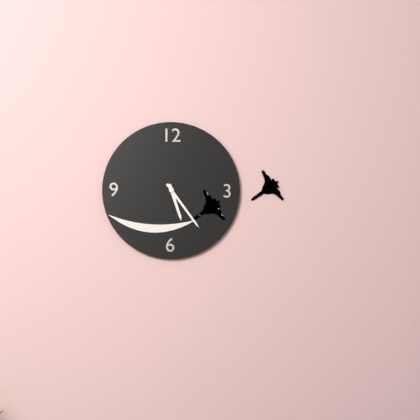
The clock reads 5h24
